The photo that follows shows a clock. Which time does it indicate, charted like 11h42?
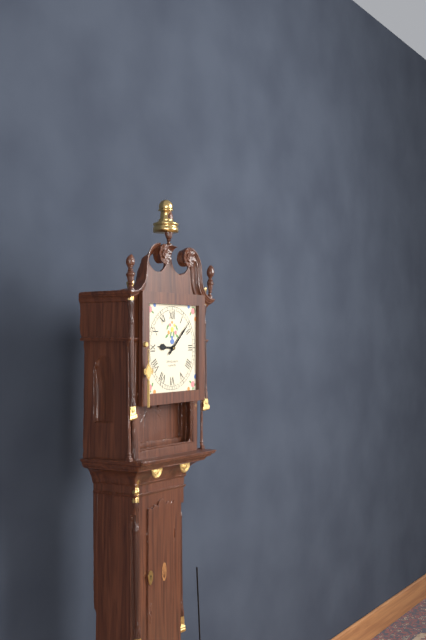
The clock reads 9h08
